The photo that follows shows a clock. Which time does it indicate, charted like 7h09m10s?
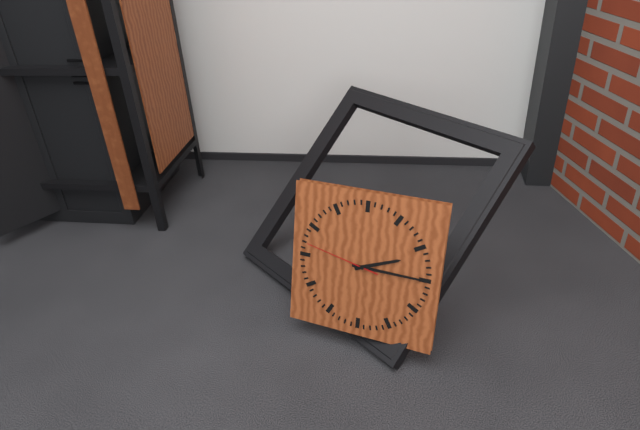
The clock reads 2h15m47s
